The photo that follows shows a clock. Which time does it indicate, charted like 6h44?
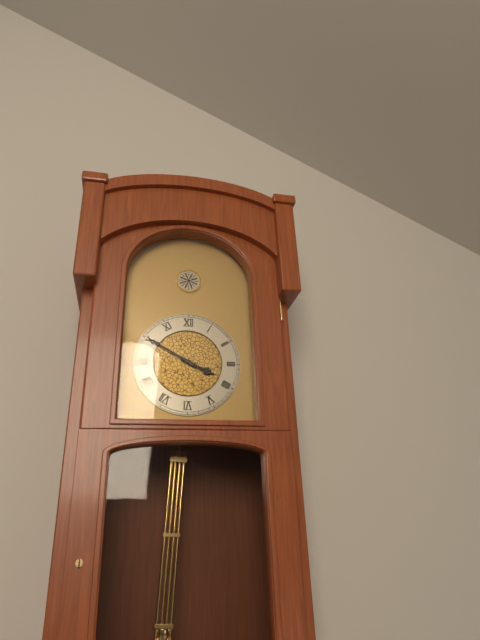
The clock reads 3h50
